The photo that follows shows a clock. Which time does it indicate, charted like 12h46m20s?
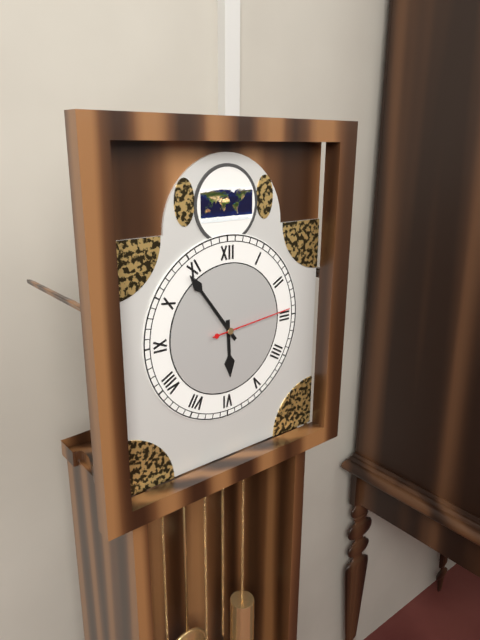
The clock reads 5h54m14s
